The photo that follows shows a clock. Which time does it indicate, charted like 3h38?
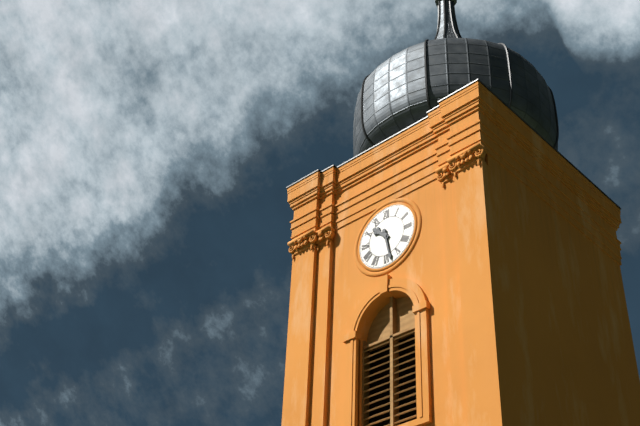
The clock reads 10h28
